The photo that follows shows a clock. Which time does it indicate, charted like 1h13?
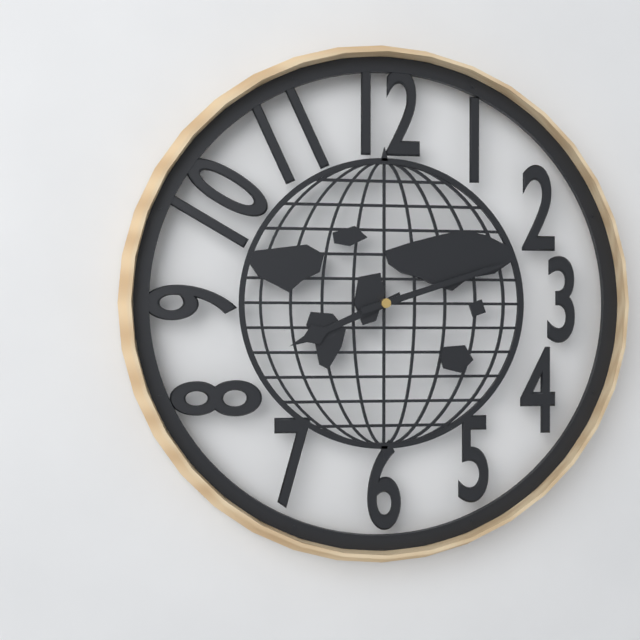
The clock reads 8h12
